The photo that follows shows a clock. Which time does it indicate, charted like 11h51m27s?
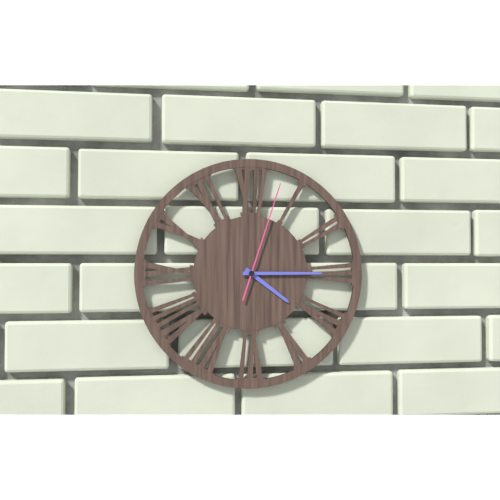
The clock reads 4h15m03s
